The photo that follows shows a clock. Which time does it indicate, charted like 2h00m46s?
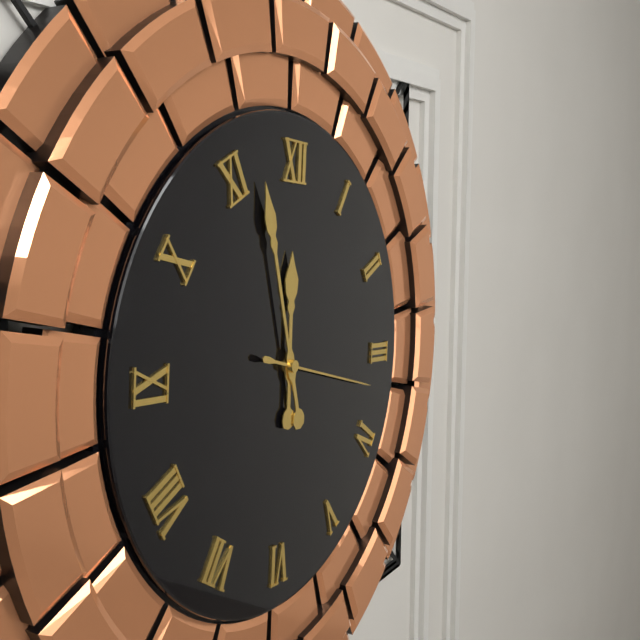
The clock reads 11h57m17s
